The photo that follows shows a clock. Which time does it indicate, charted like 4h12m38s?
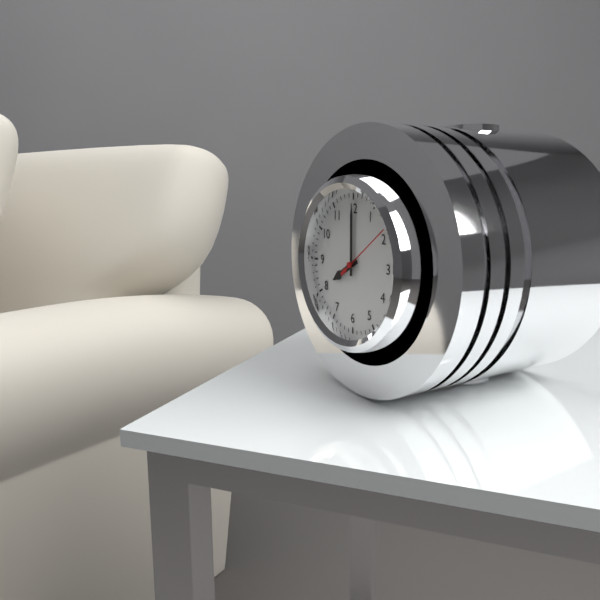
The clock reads 8h00m09s
